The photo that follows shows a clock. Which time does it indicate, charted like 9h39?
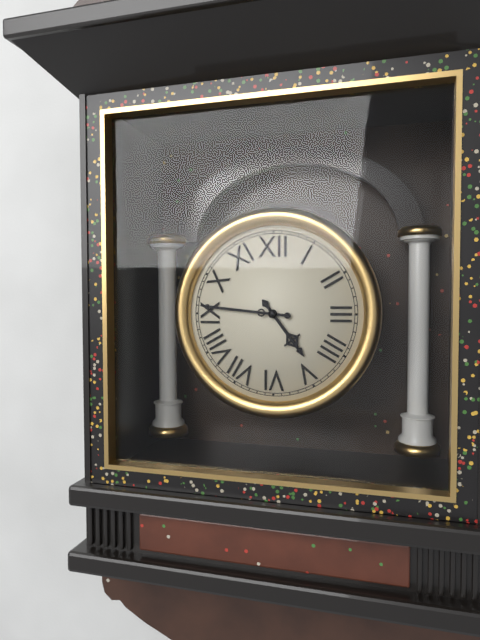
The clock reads 4h46
